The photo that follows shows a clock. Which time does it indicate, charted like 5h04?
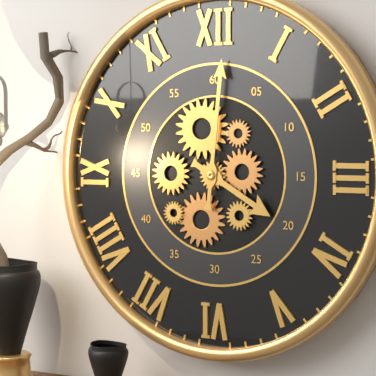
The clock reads 4h01
